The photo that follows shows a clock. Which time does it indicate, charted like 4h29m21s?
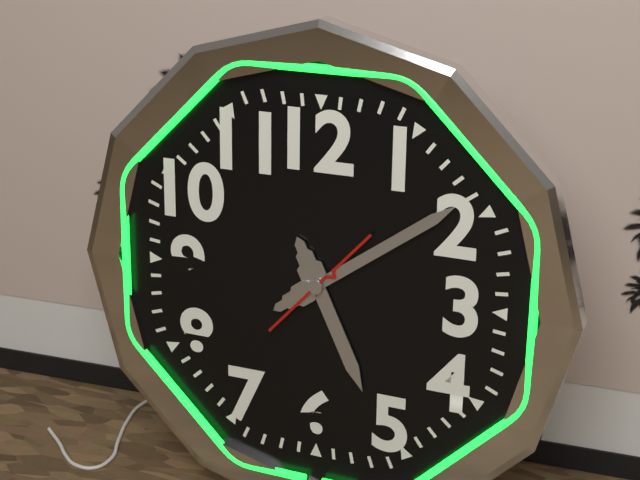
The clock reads 5h09m07s
